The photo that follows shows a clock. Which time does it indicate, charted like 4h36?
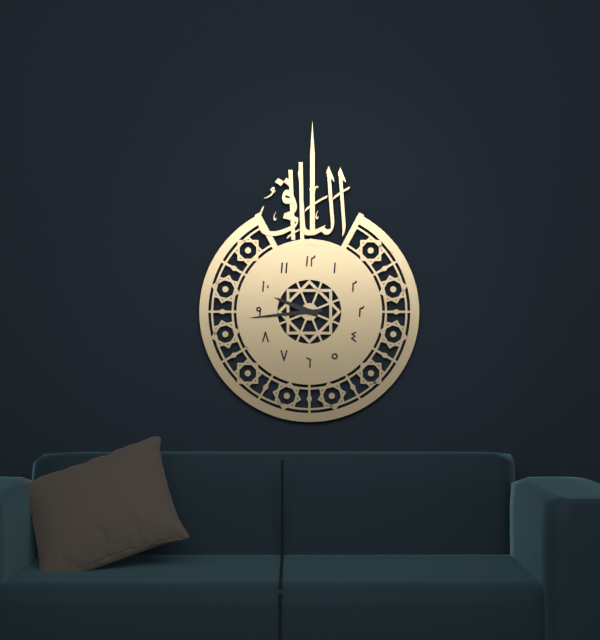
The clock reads 9h44
